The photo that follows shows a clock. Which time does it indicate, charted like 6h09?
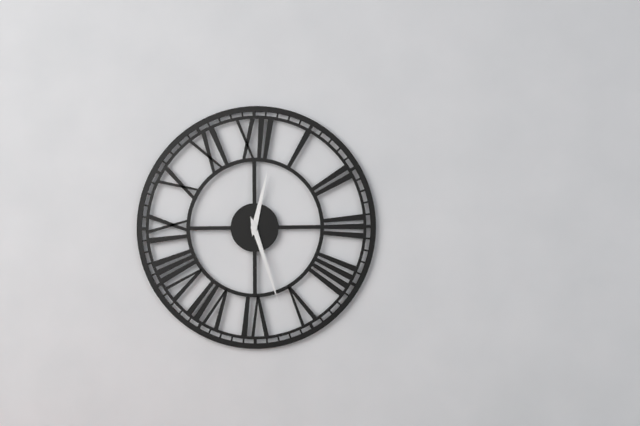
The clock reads 12h27
